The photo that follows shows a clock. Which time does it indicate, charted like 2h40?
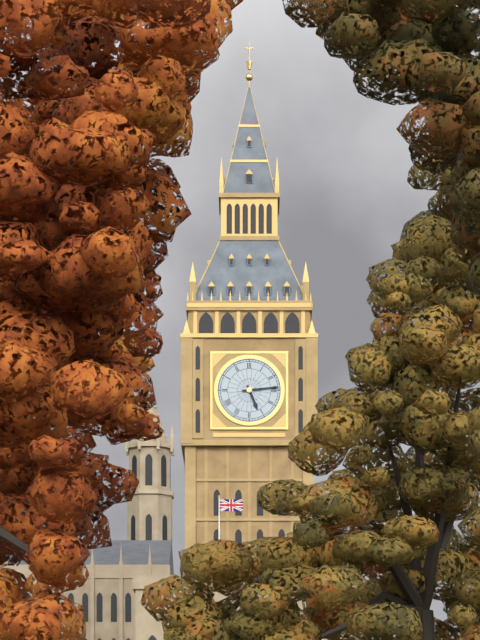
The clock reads 5h14
